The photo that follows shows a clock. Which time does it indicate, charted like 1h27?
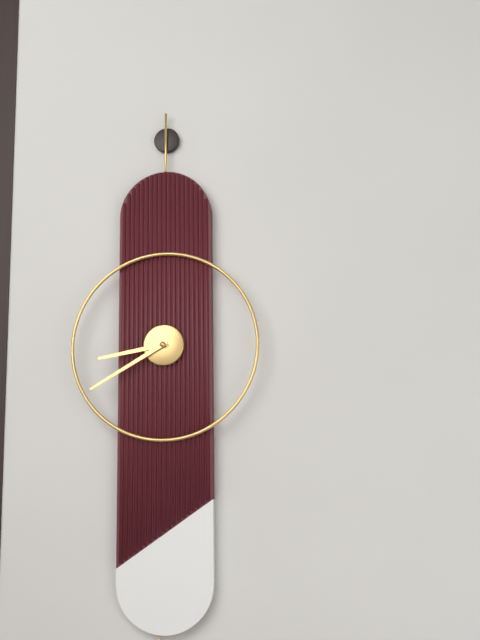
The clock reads 8h40
